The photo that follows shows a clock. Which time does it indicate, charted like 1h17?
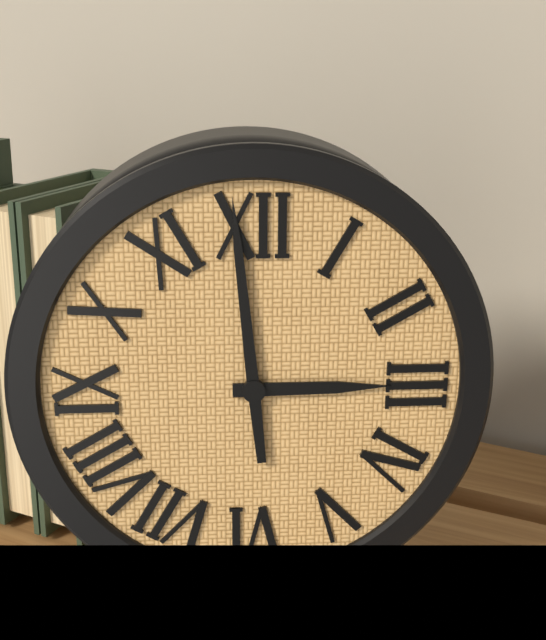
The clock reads 2h59
